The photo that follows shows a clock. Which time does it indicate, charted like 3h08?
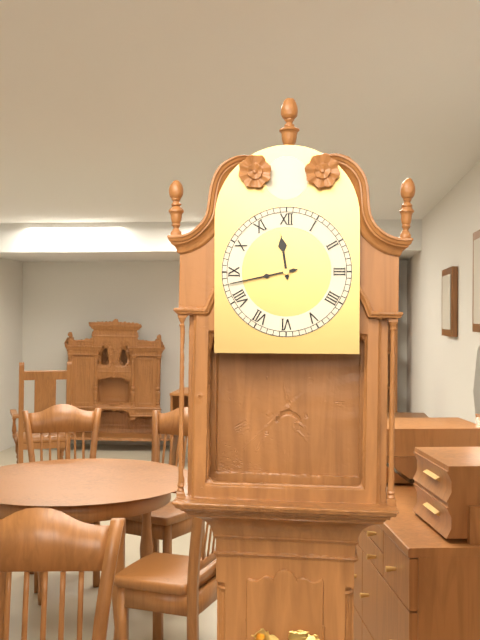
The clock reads 11h43
